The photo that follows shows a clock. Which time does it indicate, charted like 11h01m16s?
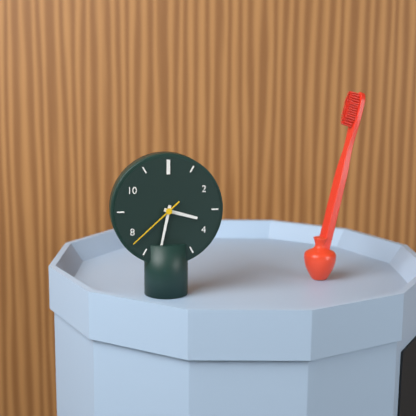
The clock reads 3h32m38s
